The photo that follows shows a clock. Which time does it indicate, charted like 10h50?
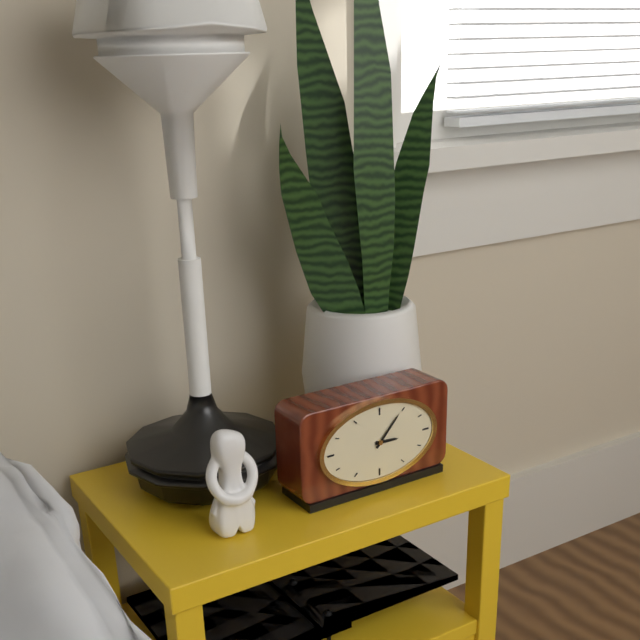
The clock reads 3h07
